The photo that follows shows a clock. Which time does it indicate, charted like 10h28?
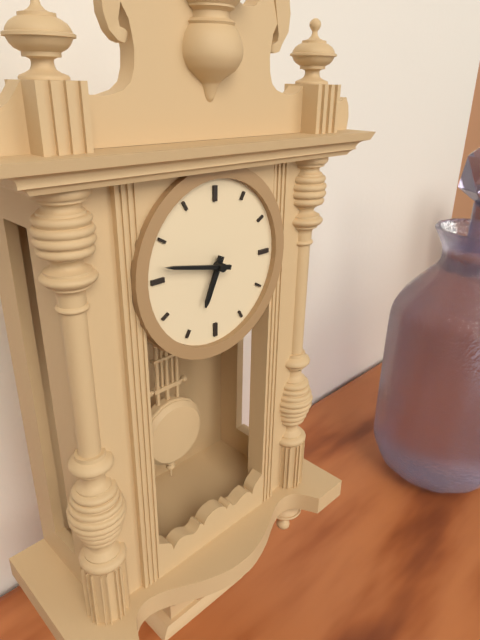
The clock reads 6h47
